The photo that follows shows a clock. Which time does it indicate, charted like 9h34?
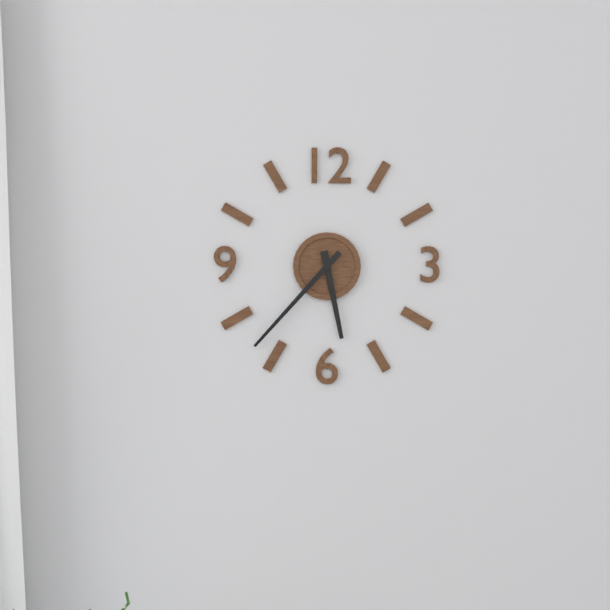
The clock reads 5h37
